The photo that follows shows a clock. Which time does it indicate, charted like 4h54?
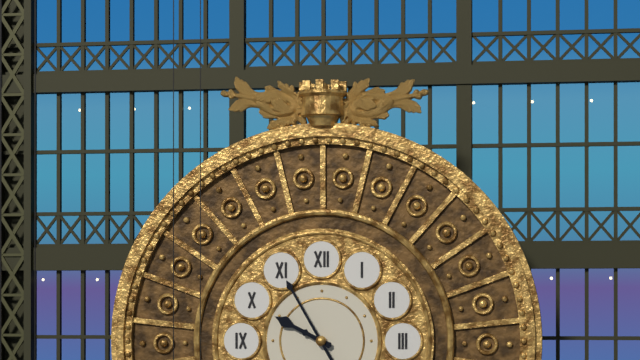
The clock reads 9h55
